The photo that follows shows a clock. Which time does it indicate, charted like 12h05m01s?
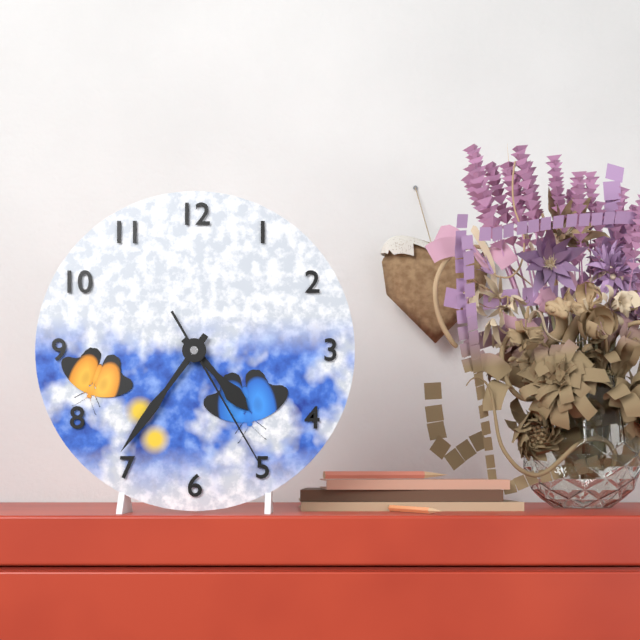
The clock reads 4h36m25s
